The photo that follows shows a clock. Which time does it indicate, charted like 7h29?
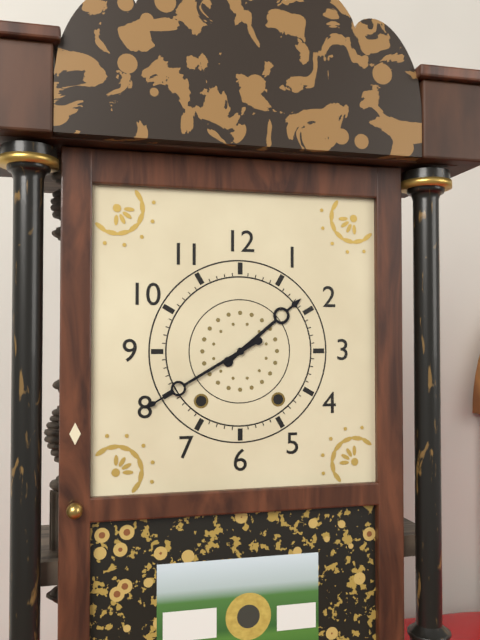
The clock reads 1h40
